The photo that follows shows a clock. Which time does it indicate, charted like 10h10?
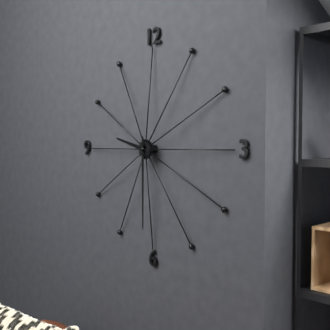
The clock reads 9h30
